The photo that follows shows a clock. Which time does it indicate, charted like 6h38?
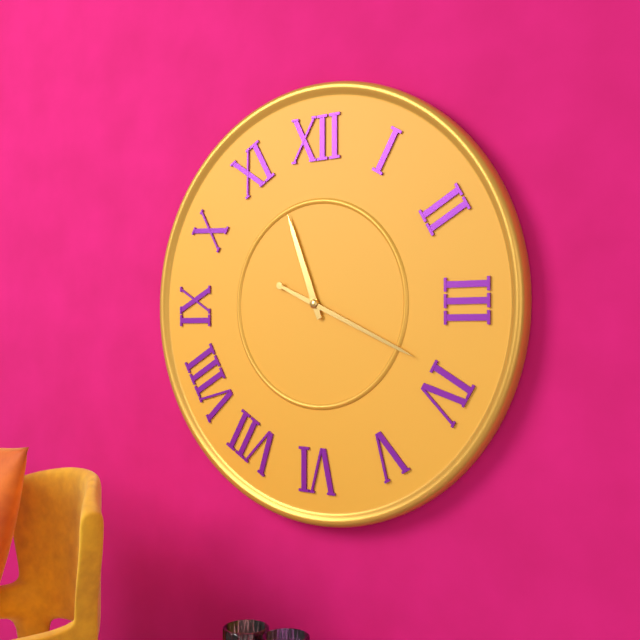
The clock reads 11h19
